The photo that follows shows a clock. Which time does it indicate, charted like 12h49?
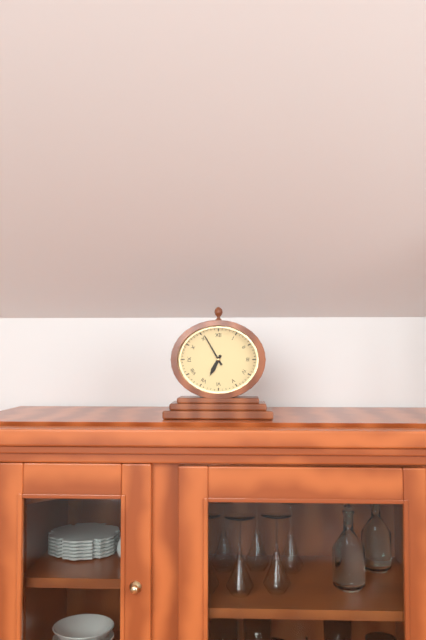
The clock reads 6h55
